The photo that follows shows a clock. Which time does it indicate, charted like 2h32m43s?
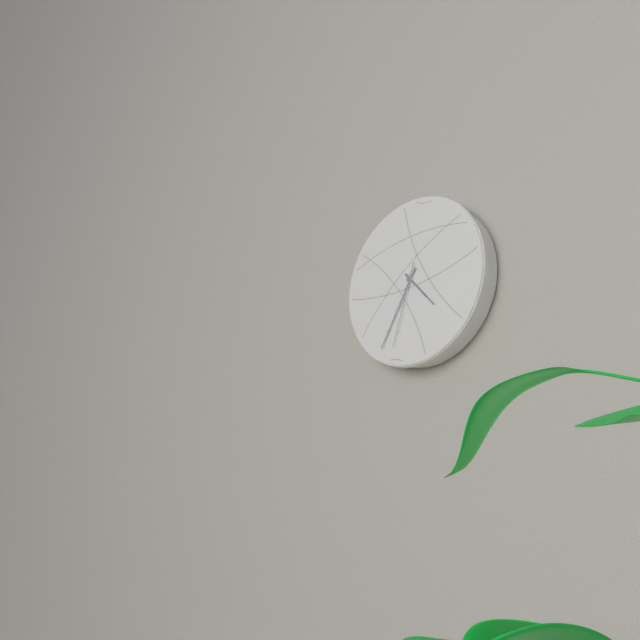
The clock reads 4h35m33s
